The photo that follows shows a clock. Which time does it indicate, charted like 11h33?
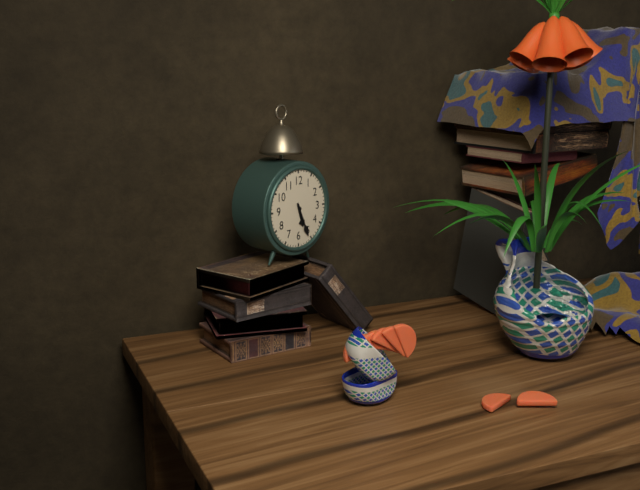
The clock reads 5h26
